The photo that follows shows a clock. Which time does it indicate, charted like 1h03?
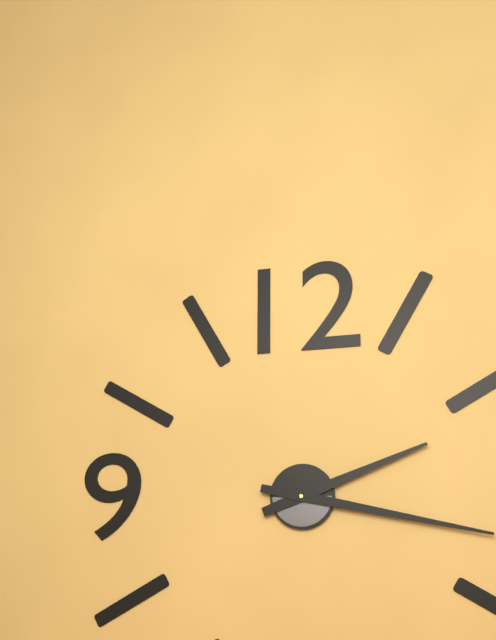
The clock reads 2h17
